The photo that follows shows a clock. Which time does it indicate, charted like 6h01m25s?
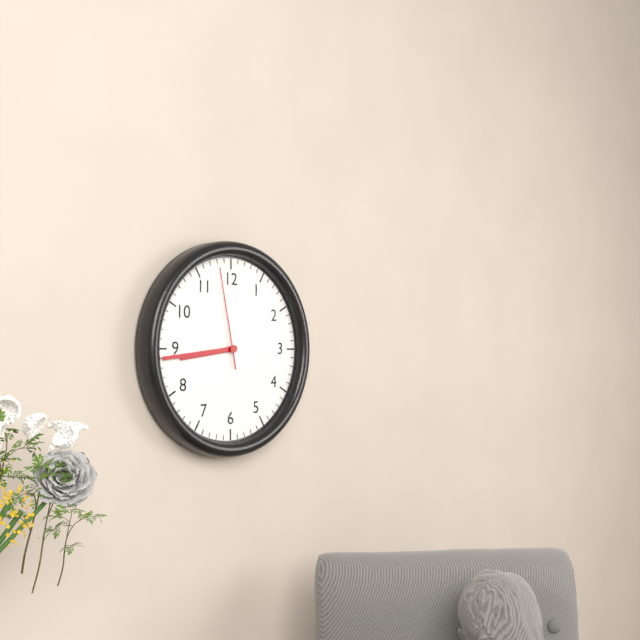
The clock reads 8h44m58s
